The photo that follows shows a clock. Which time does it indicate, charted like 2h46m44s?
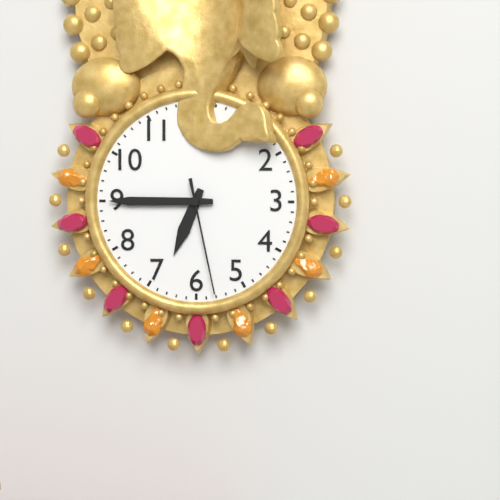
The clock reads 6h45m28s
